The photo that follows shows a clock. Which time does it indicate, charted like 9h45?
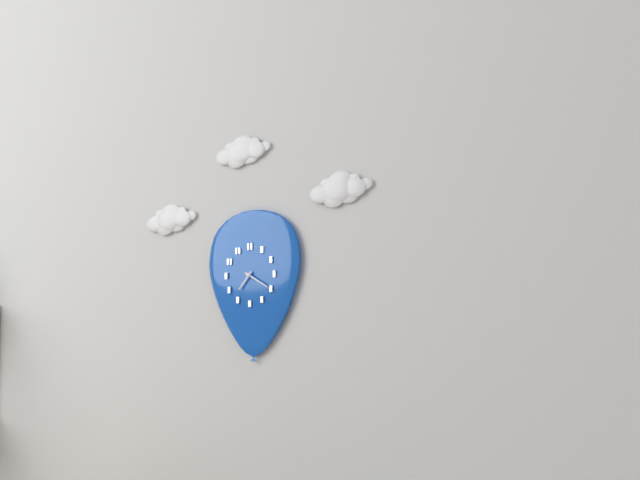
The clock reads 7h20
